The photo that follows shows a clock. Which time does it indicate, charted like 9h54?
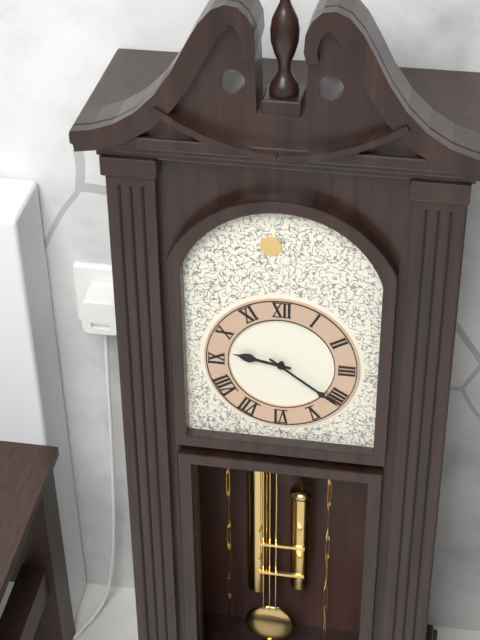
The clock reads 9h21
